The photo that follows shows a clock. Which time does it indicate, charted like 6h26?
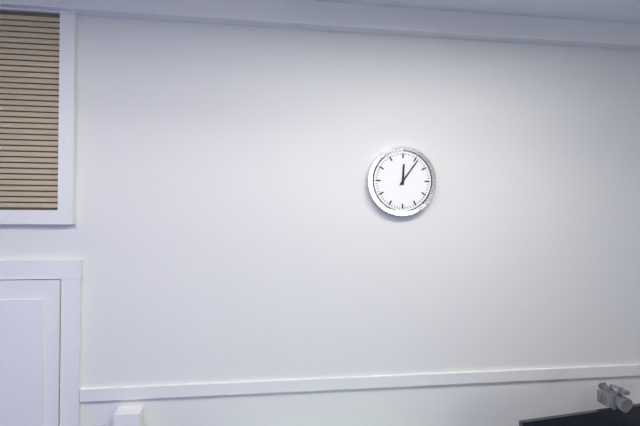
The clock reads 12h06
